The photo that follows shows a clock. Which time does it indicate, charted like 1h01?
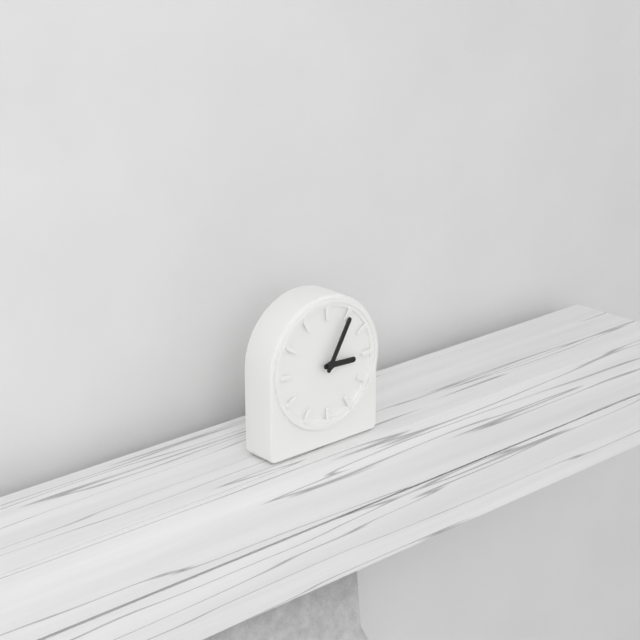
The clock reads 3h05
